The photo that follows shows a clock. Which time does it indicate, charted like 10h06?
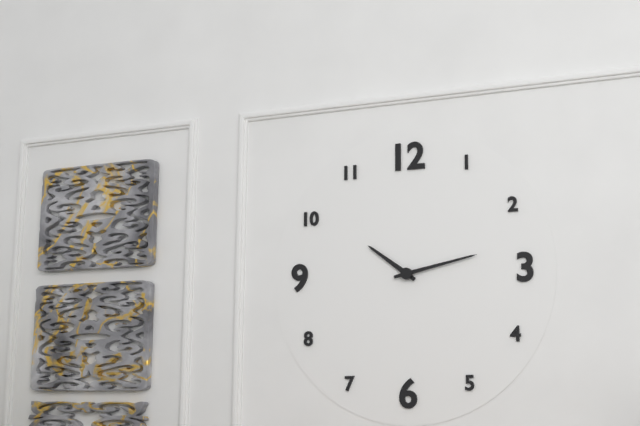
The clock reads 10h13
